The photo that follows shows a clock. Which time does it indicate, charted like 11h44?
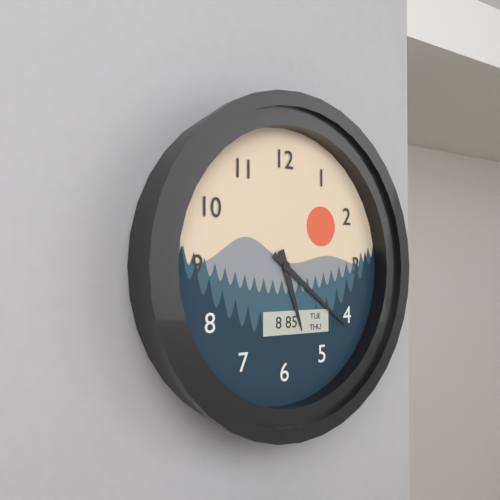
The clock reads 5h21
